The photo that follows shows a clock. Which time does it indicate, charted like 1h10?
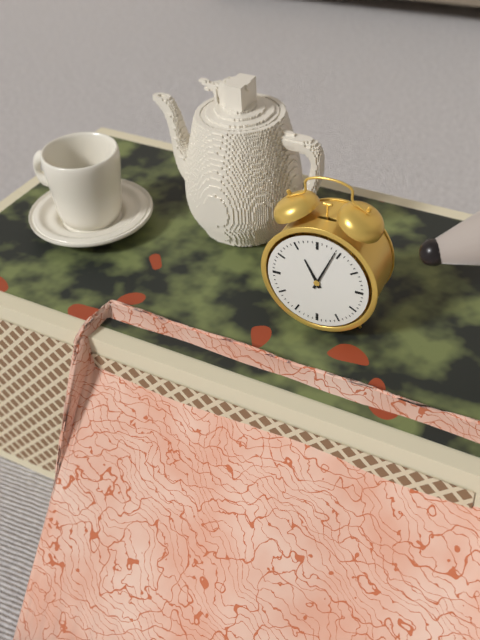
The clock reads 11h04
